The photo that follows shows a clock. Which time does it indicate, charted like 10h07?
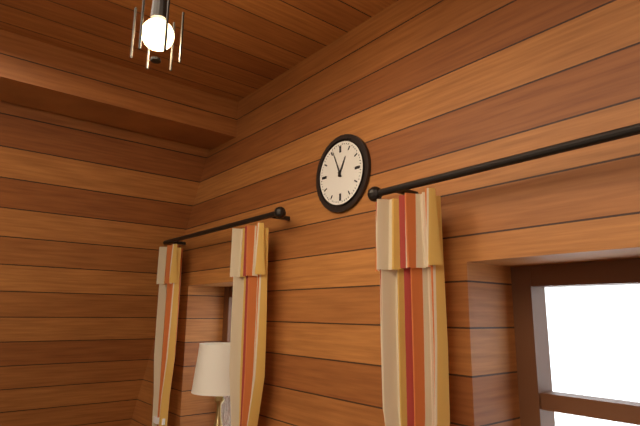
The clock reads 12h56
